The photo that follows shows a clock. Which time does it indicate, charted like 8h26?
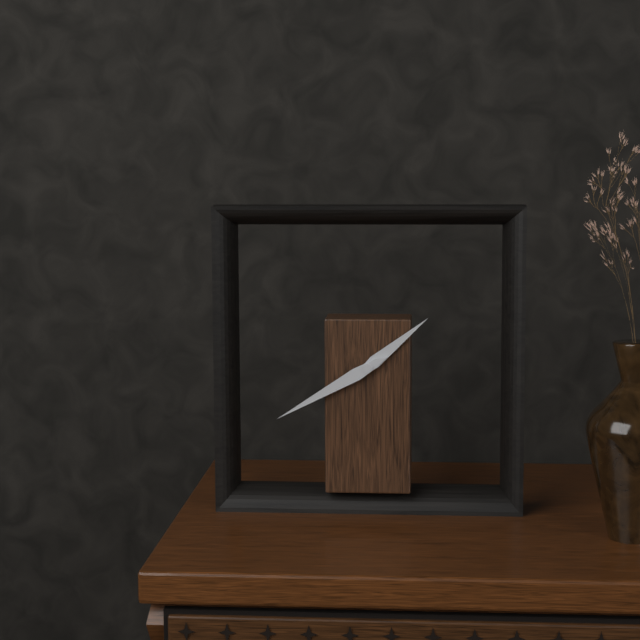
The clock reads 1h40
